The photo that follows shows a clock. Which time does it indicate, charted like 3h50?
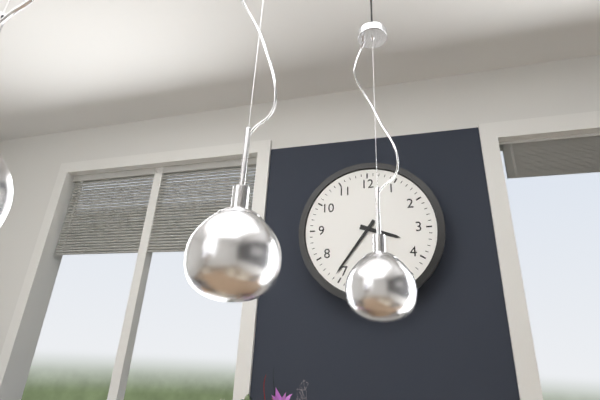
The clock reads 3h36
